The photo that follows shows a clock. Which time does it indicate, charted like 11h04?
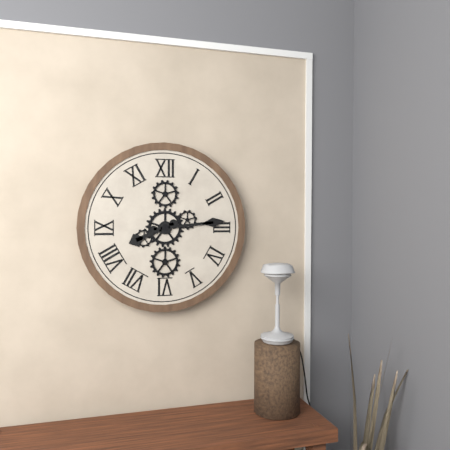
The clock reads 8h14
